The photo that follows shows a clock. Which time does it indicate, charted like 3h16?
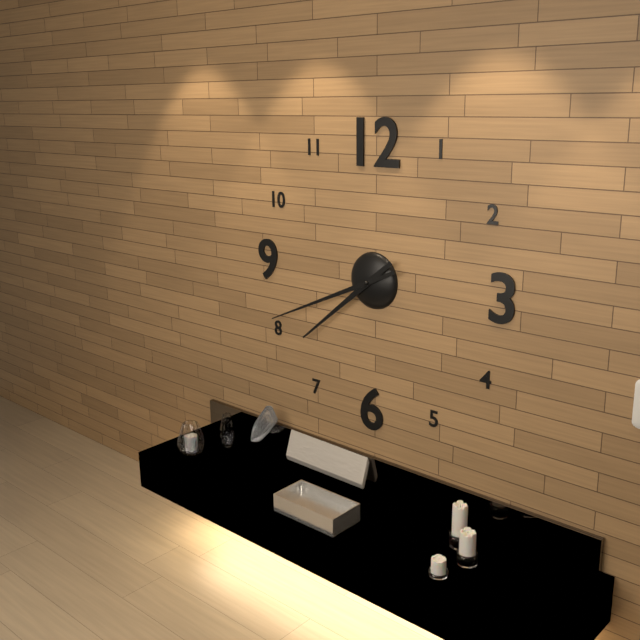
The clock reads 7h41
